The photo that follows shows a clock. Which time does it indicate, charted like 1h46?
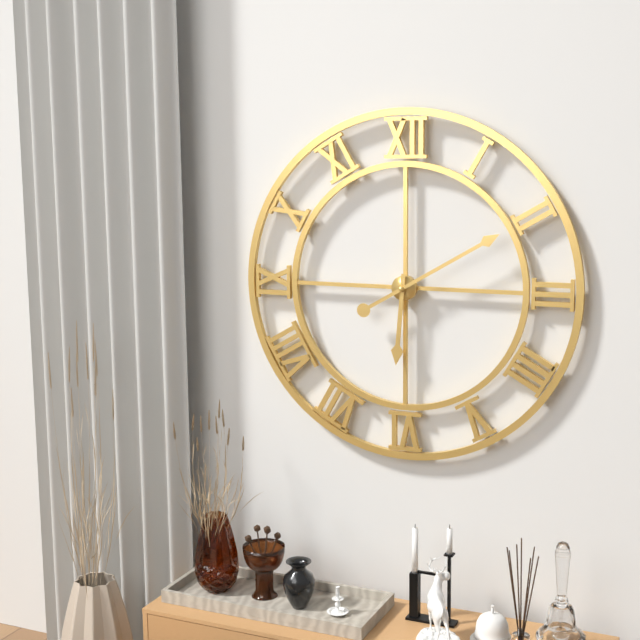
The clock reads 6h10
